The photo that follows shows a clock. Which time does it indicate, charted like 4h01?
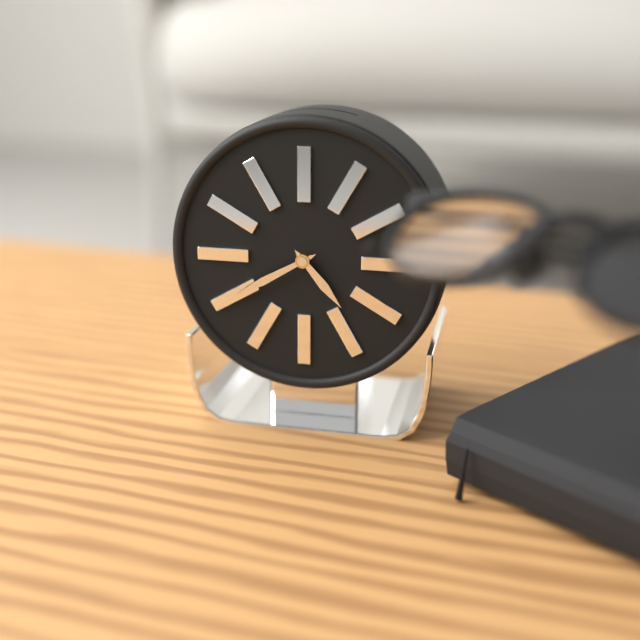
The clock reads 4h40
